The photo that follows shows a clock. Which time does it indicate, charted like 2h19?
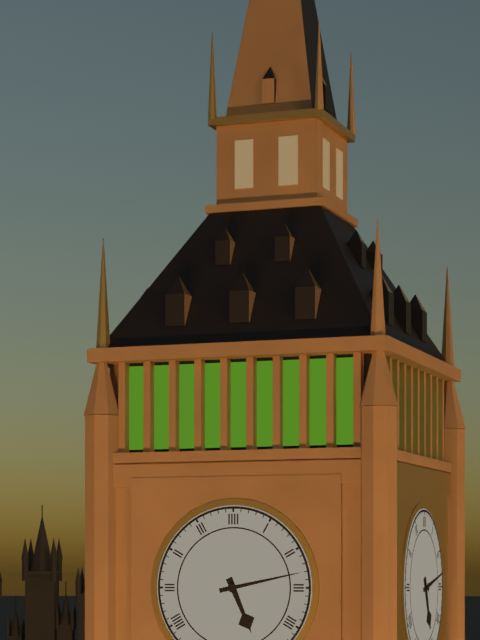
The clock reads 5h13
